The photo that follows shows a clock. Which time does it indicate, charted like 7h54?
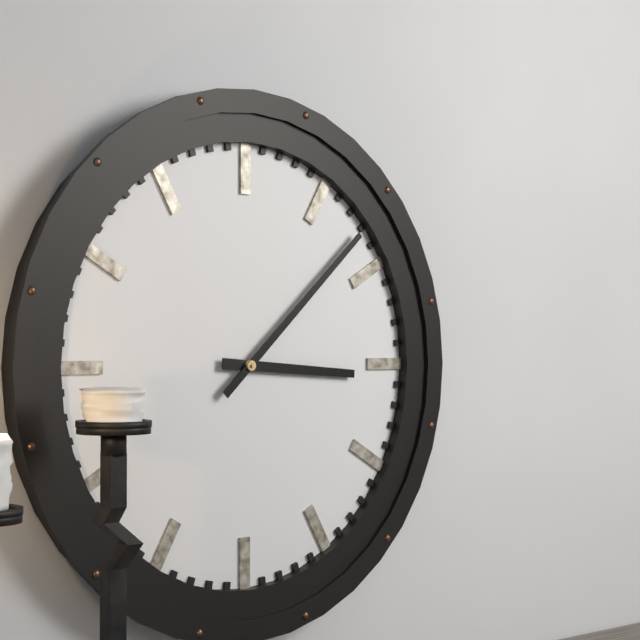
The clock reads 3h08
